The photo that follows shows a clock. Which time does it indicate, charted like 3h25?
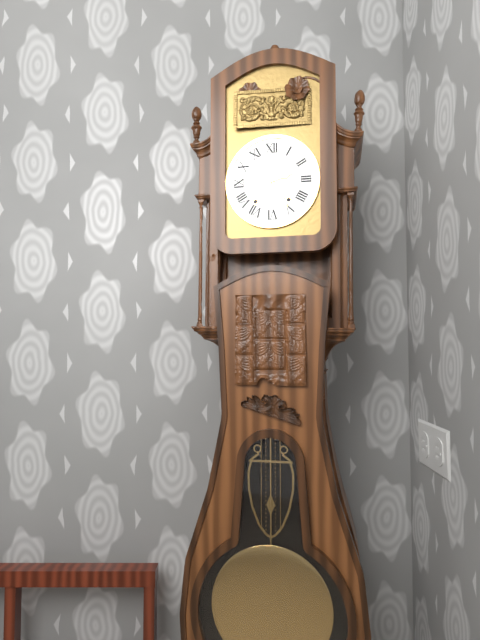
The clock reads 2h25
